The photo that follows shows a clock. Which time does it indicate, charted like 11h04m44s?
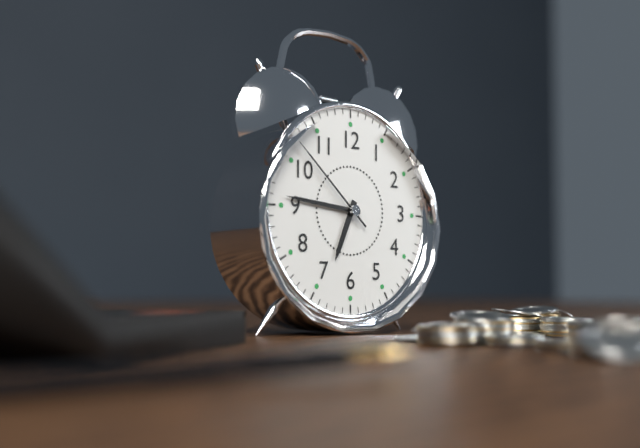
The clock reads 6h46m52s
